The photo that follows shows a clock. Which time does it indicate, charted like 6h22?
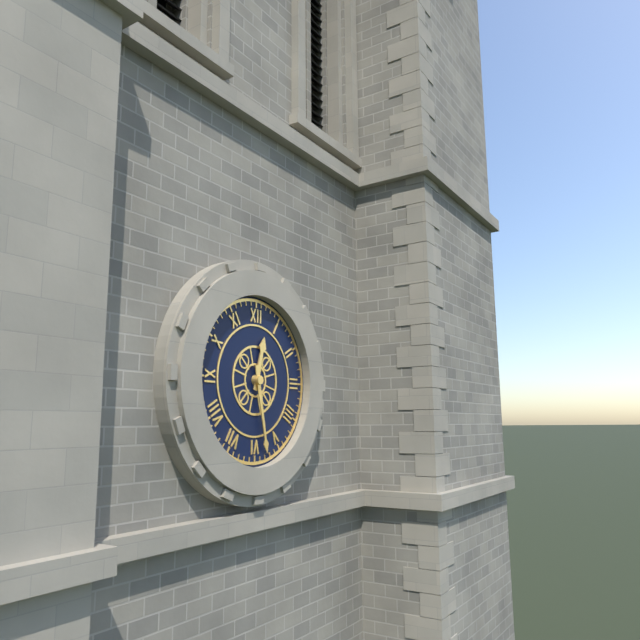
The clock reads 12h28
